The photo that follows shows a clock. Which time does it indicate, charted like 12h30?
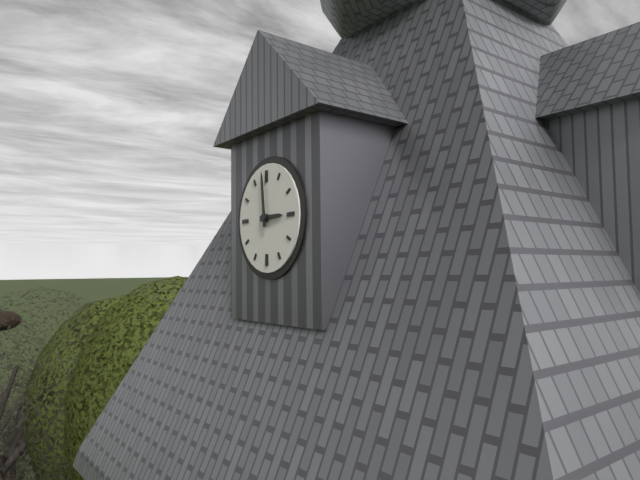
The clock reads 2h59
